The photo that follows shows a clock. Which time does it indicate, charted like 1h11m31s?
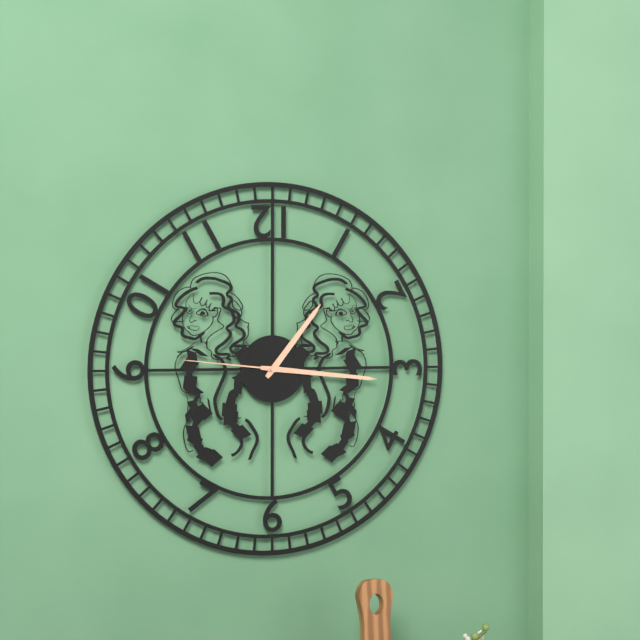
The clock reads 1h16m46s
